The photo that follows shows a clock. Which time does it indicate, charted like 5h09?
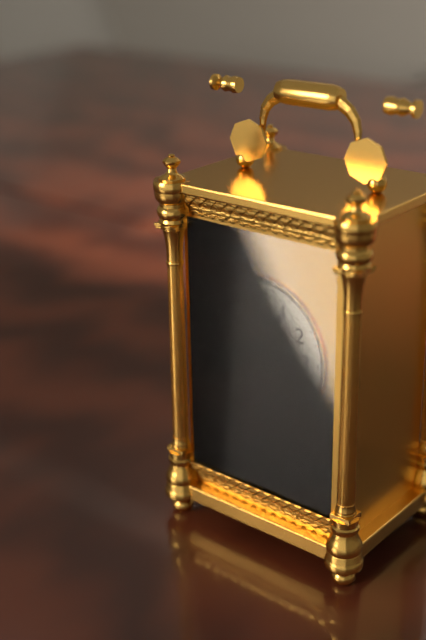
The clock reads 12h58
